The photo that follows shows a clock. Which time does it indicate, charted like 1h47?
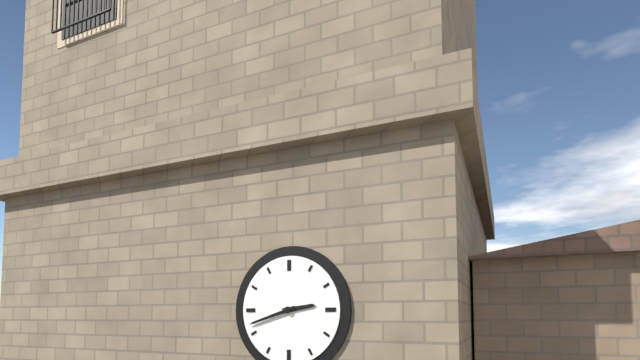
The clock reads 2h42
